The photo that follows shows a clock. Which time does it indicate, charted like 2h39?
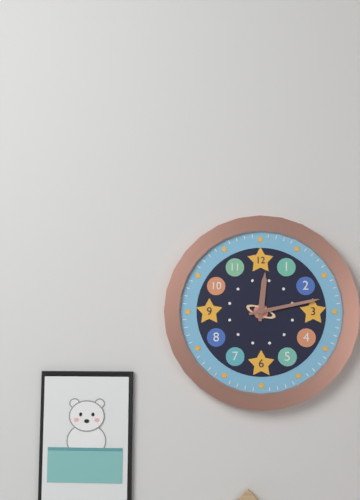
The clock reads 12h13
